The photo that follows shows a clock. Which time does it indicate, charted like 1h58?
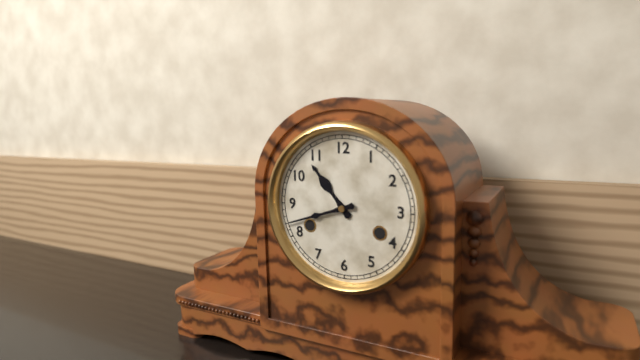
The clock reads 10h42
